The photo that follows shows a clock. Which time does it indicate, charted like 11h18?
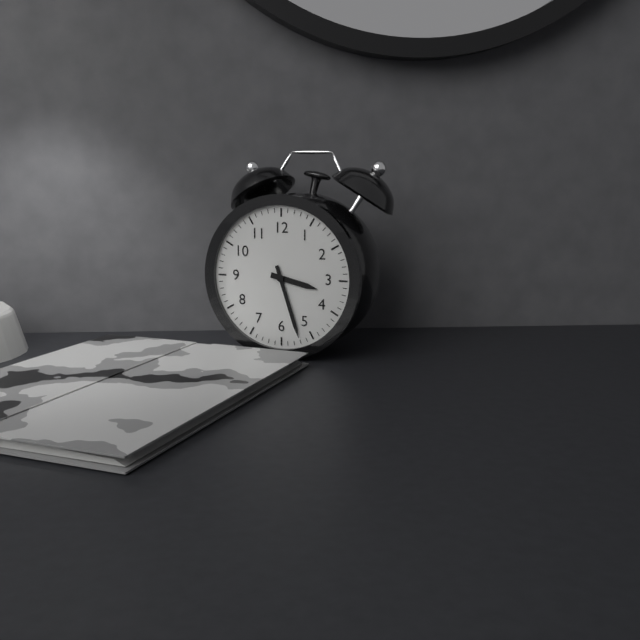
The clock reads 3h27
